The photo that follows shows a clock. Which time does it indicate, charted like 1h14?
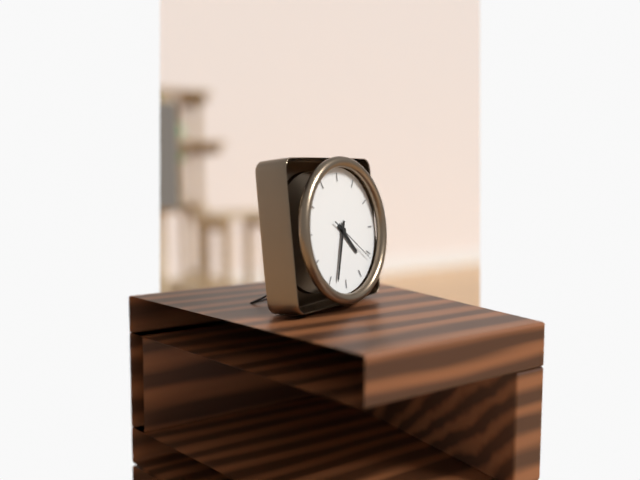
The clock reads 4h33
